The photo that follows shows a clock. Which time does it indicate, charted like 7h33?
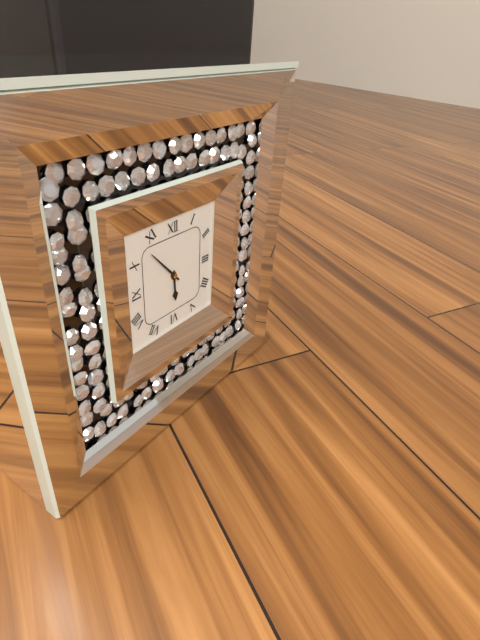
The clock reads 5h53
